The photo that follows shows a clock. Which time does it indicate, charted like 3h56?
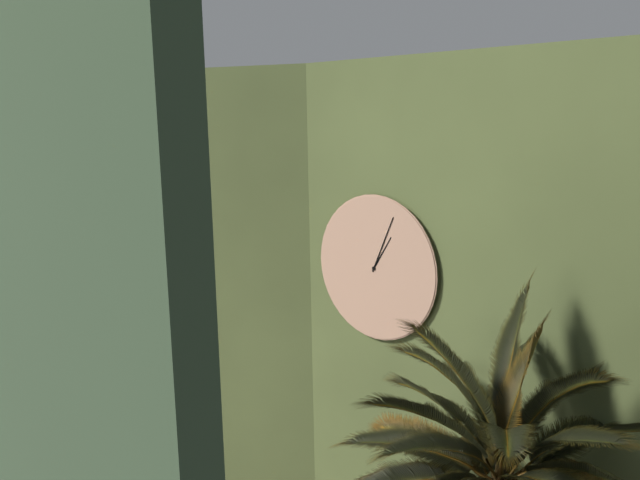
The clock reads 1h04
